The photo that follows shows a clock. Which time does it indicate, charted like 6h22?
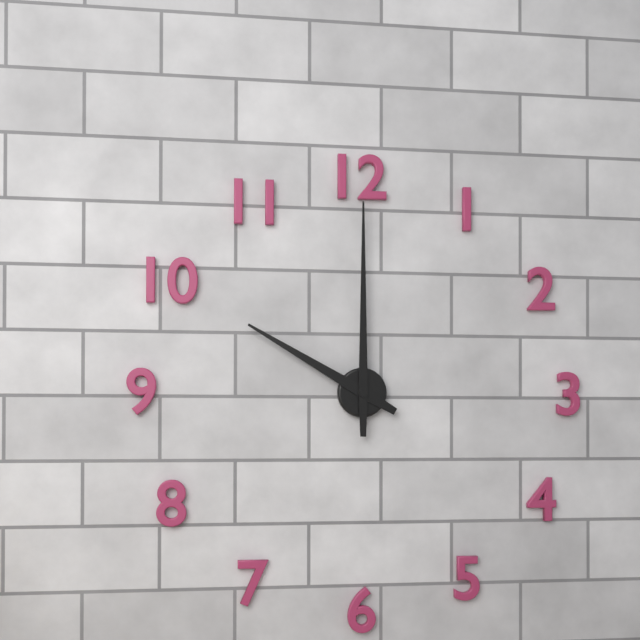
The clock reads 10h00
